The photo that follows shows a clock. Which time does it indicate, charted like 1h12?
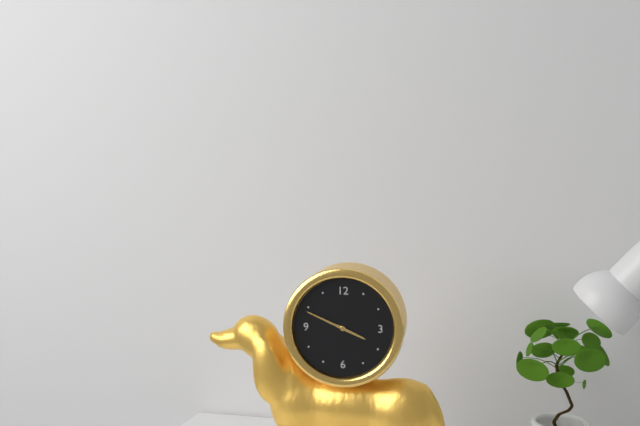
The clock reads 3h49
